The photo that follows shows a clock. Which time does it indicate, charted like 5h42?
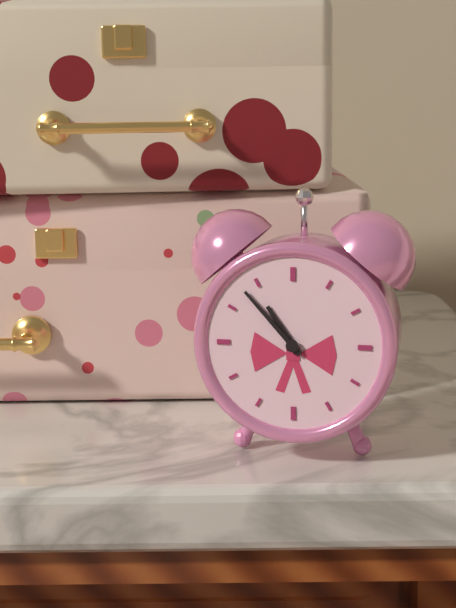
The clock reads 10h53
